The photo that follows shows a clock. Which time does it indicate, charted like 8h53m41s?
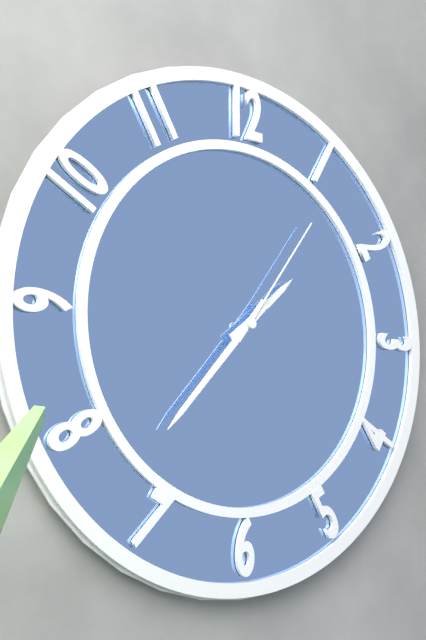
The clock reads 1h37m06s
